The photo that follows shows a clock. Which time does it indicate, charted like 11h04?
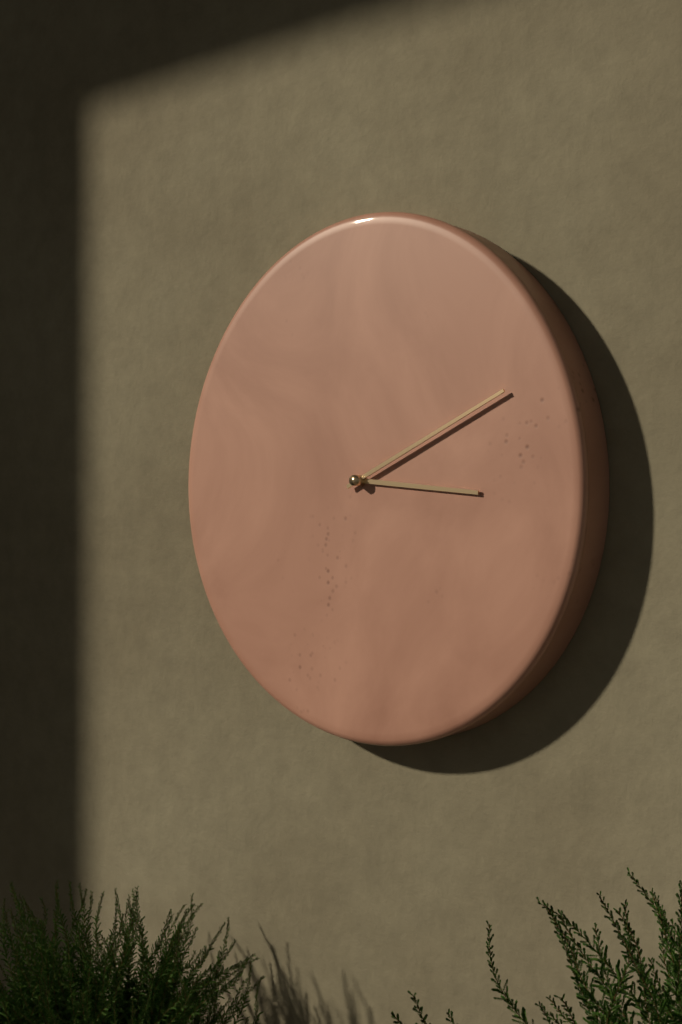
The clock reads 3h11
